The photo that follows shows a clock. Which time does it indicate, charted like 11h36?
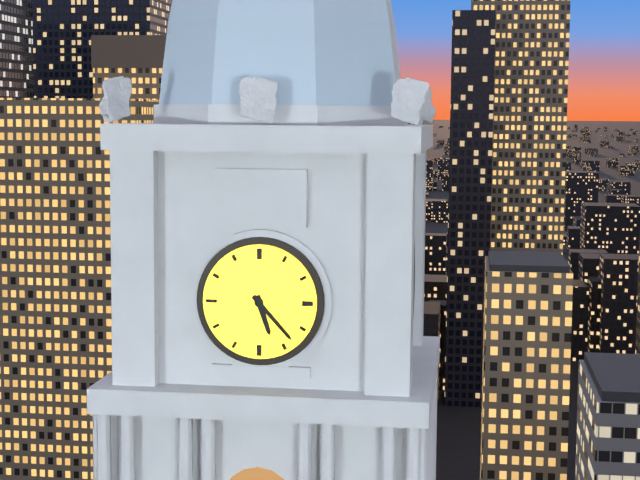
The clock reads 5h23
